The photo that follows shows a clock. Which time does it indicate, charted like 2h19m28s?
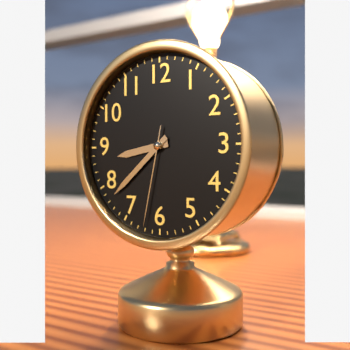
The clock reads 8h38m32s
